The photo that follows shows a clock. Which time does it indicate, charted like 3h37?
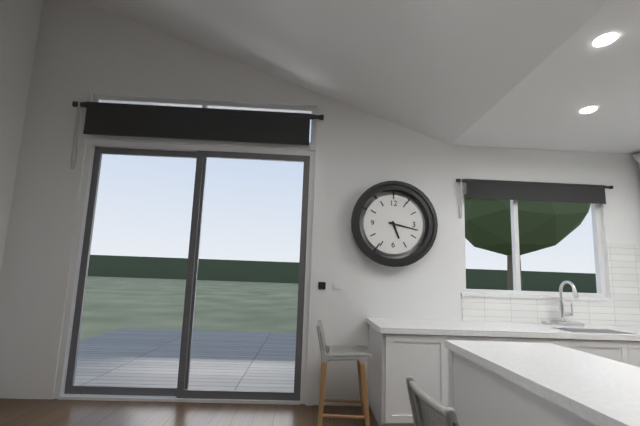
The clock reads 5h17
